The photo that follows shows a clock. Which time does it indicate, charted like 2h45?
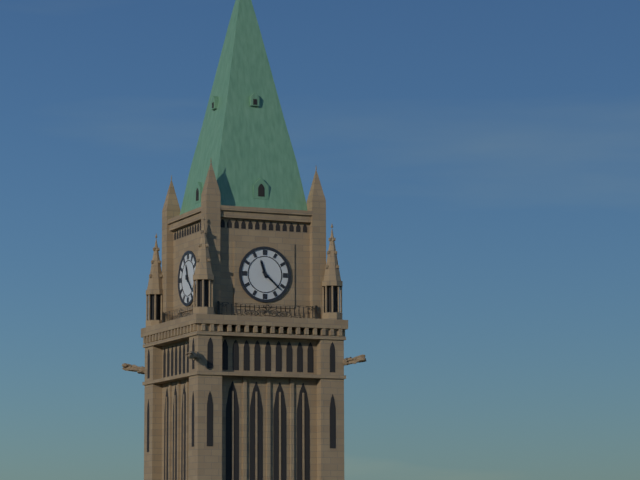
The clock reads 11h22
